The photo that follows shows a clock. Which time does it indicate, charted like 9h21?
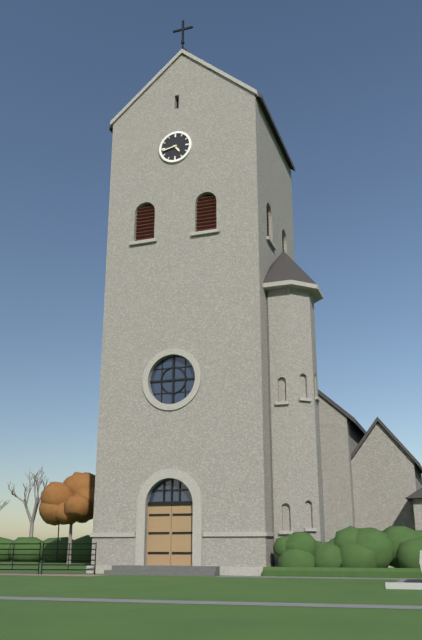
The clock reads 4h43
